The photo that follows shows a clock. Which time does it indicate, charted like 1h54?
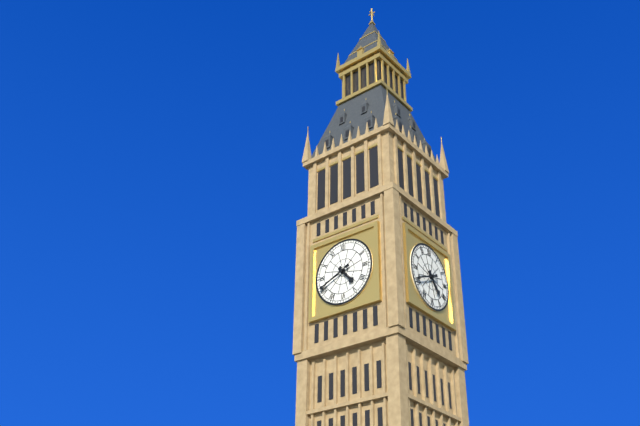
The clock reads 4h41
